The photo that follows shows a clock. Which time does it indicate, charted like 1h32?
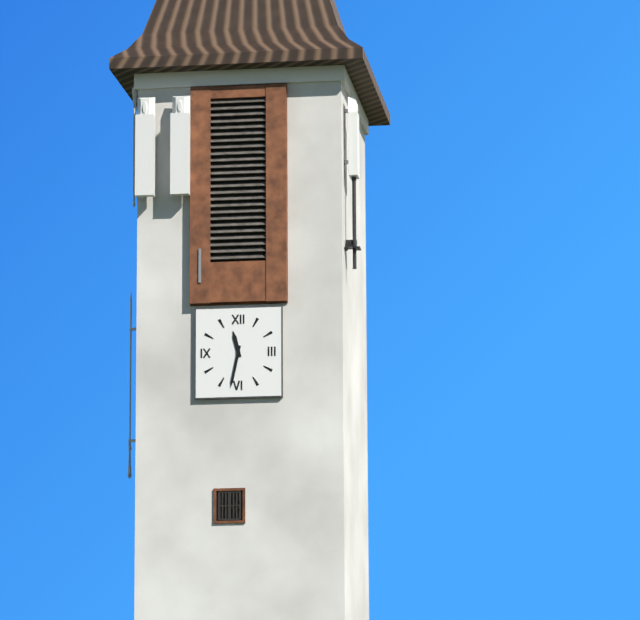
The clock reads 11h32
